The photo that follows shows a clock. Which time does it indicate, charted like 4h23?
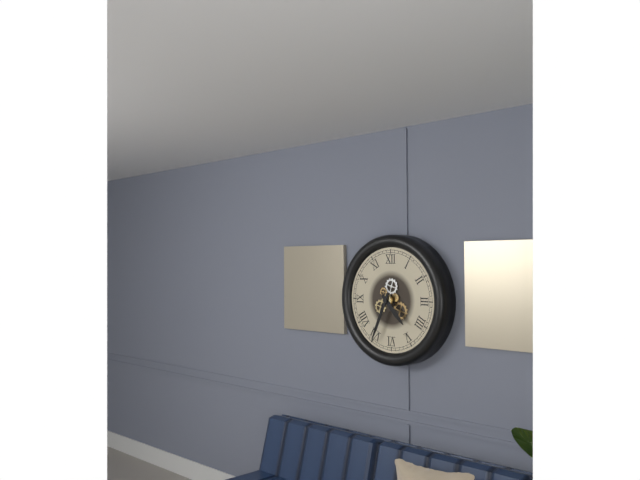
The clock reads 4h34
